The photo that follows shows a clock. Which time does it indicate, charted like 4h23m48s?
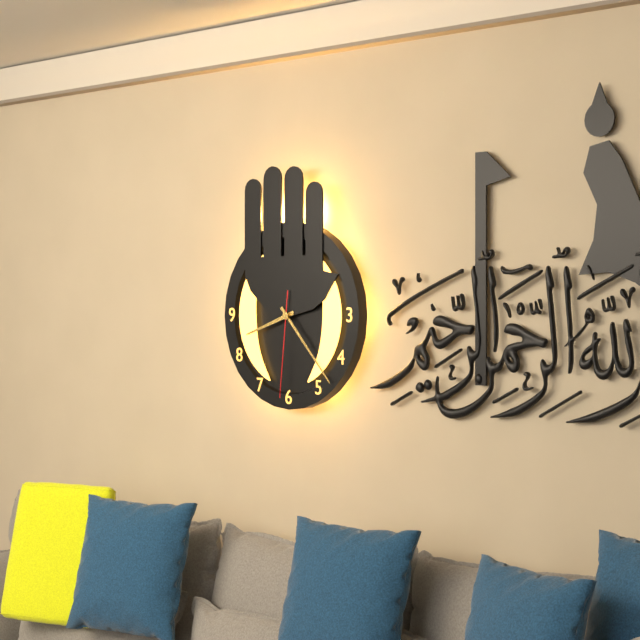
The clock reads 8h23m31s
